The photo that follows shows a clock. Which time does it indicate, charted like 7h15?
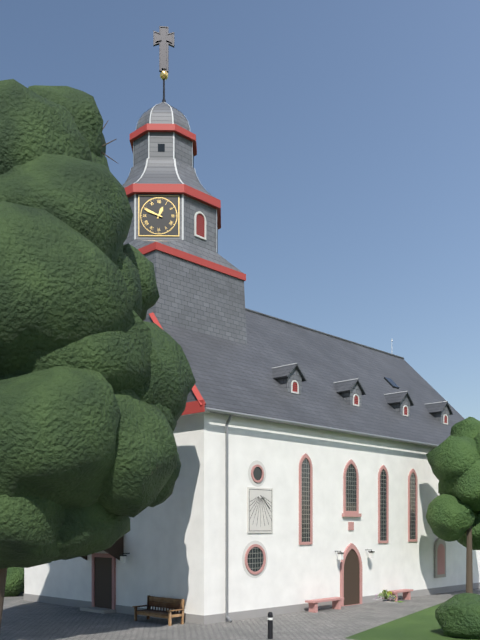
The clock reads 12h49
